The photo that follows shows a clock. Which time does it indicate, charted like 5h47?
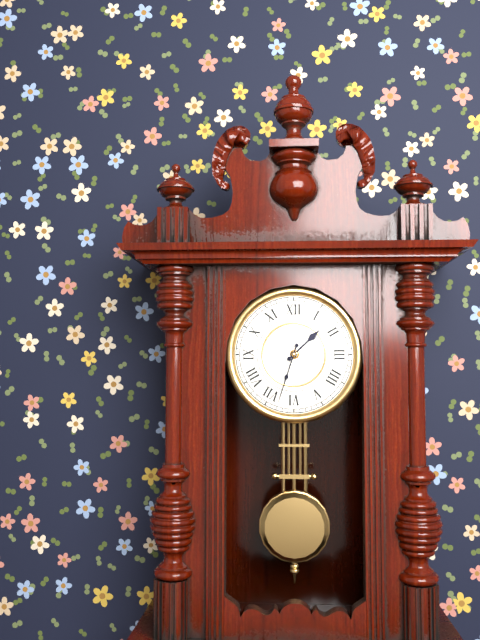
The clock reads 1h33
